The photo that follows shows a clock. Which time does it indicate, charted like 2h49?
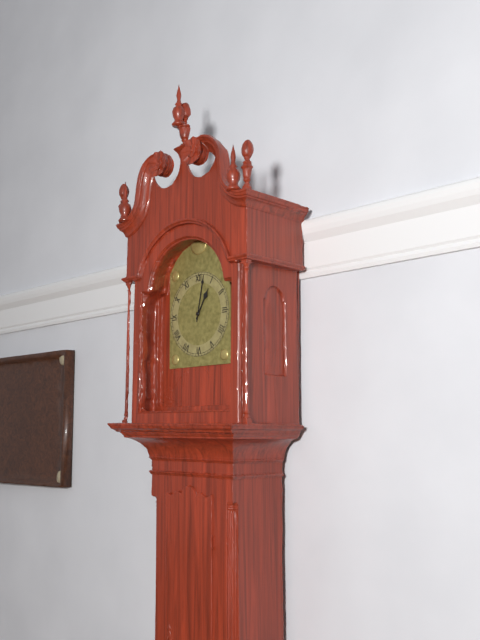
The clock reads 1h02
